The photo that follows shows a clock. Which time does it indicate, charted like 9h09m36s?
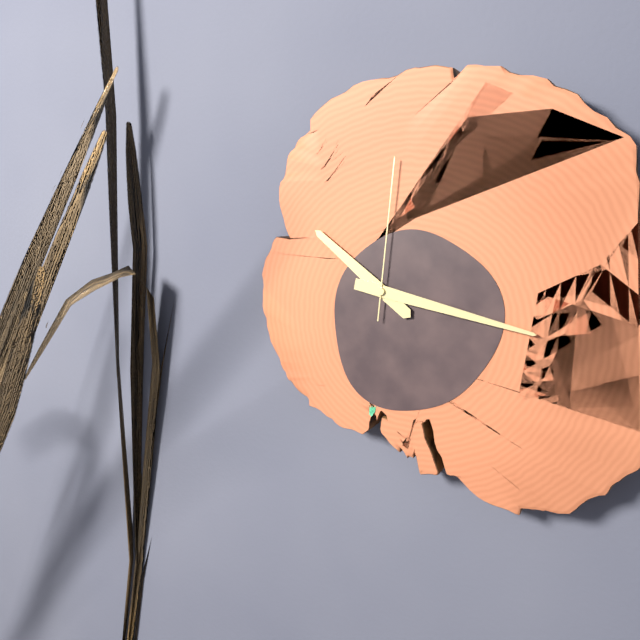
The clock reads 10h17m01s
